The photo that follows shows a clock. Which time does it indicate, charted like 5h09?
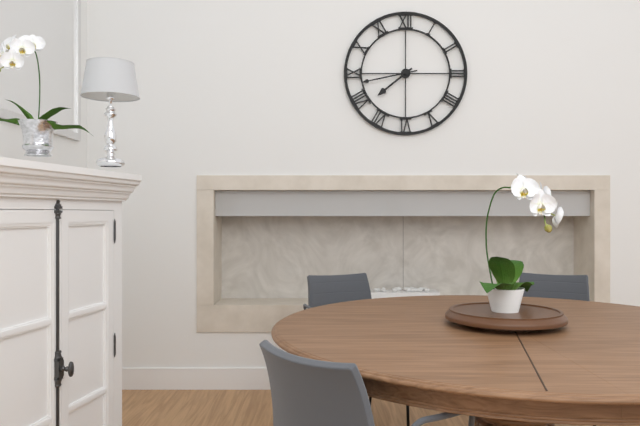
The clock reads 7h43
